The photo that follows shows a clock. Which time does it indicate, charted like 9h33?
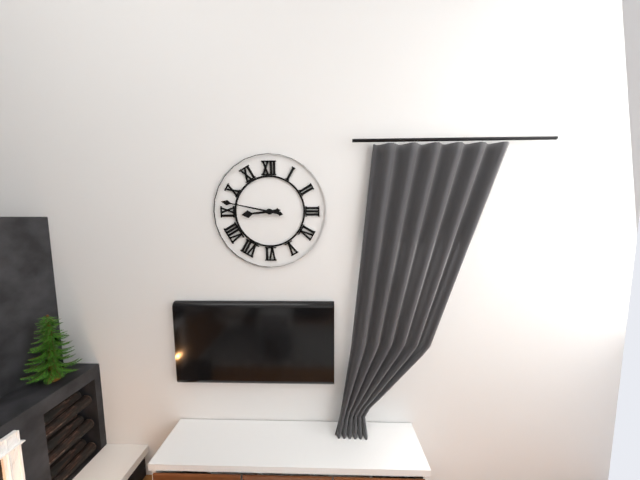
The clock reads 8h47
